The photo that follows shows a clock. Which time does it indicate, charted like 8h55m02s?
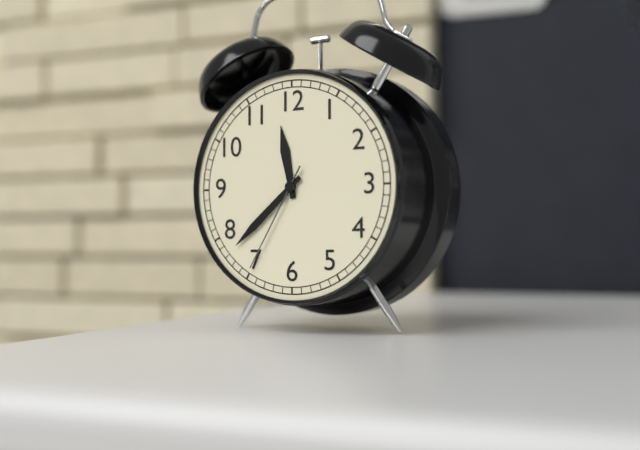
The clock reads 11h38m35s
